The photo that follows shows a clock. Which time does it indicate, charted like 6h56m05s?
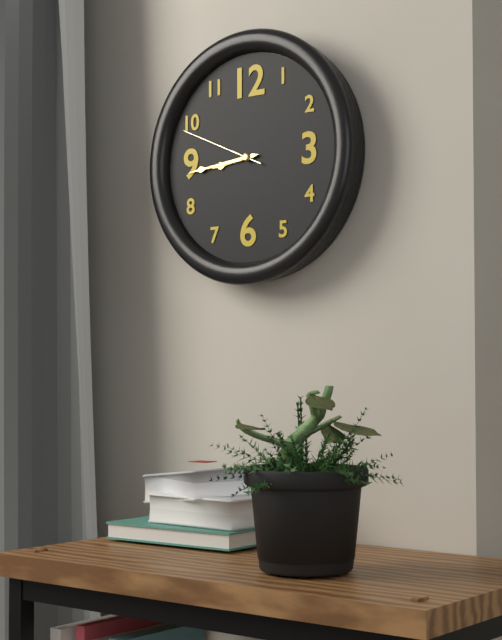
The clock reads 8h44m49s
